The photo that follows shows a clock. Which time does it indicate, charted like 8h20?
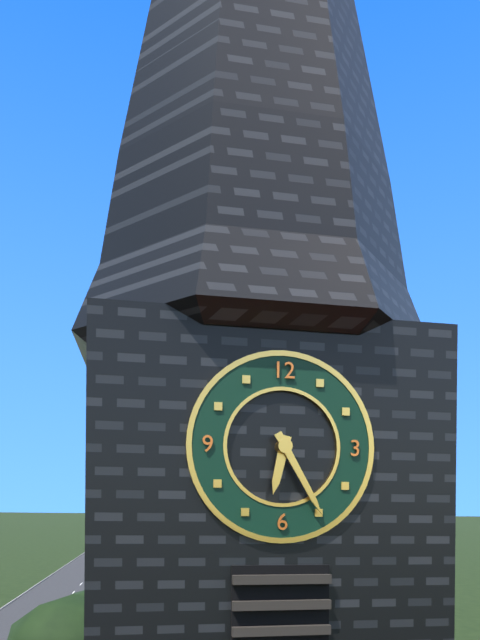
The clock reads 6h25
